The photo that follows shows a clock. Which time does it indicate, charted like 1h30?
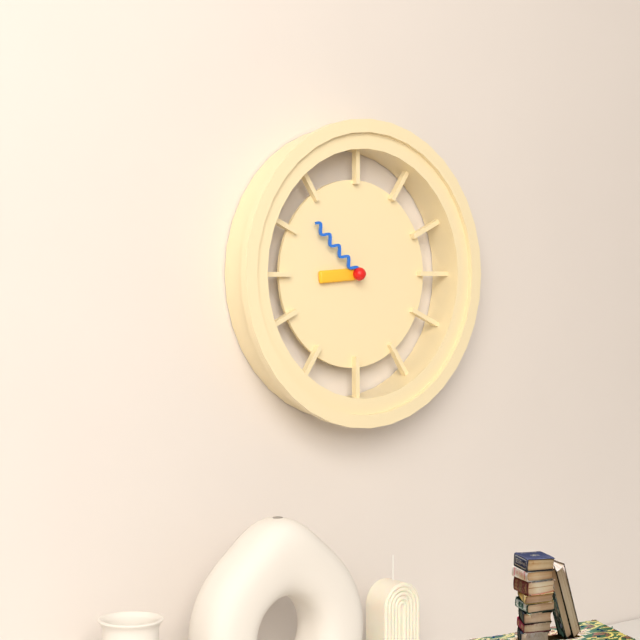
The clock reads 8h52
